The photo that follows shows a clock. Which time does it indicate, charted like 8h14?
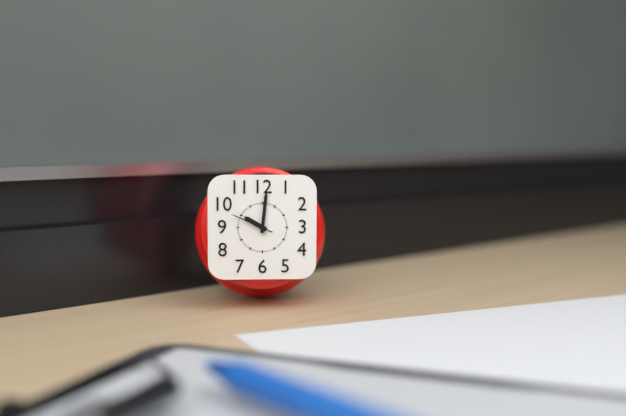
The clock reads 10h01
